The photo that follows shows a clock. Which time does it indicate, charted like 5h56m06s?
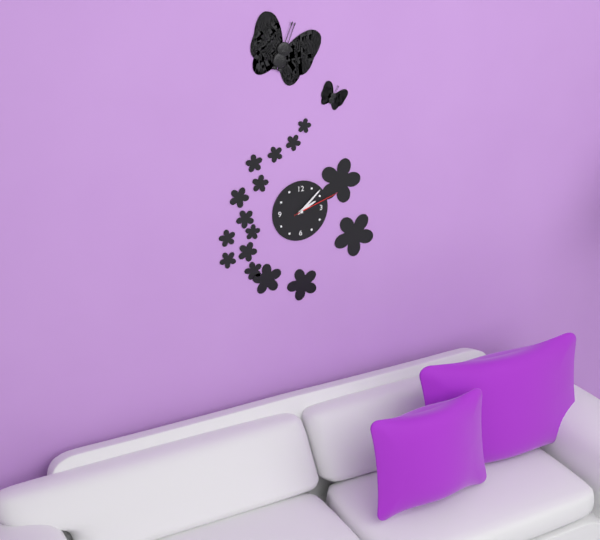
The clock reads 2h08m12s
